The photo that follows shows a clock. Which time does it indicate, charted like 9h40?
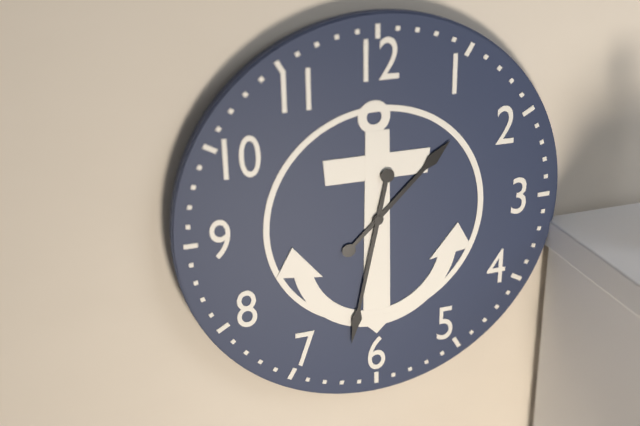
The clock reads 1h32
